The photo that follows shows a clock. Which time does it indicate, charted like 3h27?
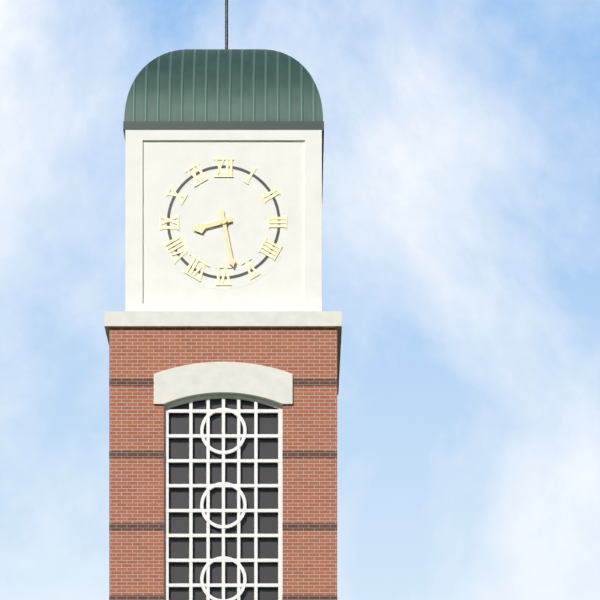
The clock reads 8h28
